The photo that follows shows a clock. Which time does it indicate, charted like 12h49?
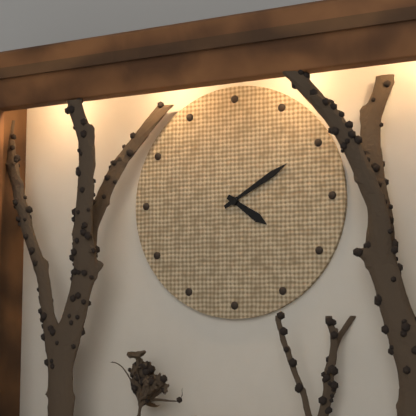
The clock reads 4h10
